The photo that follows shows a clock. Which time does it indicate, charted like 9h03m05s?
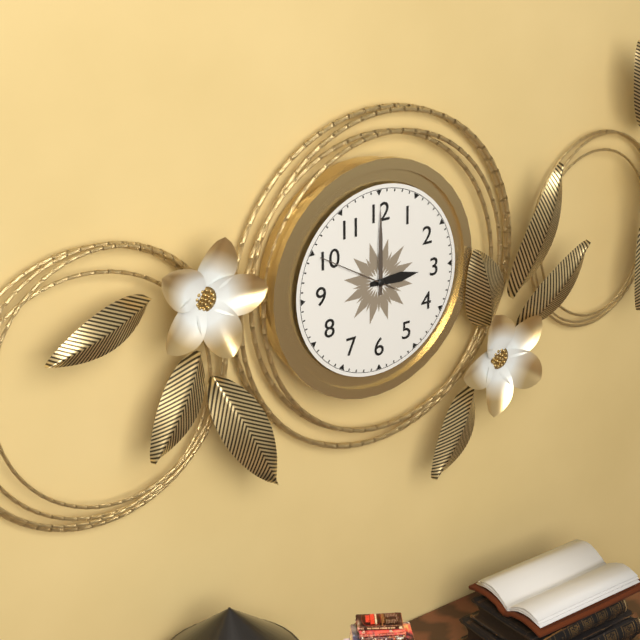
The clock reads 3h00m50s
